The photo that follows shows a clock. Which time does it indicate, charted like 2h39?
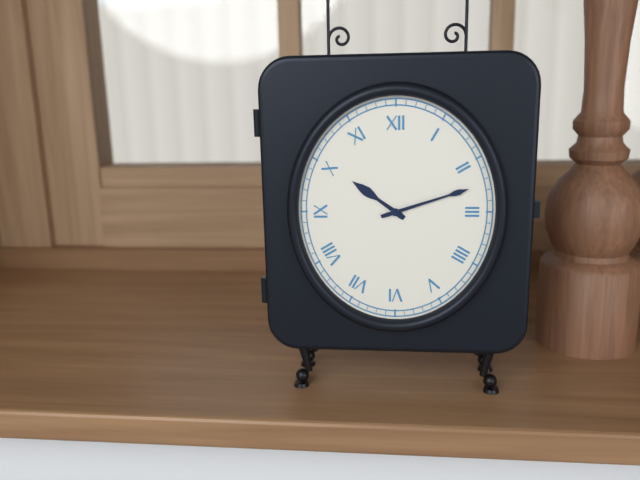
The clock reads 10h12
